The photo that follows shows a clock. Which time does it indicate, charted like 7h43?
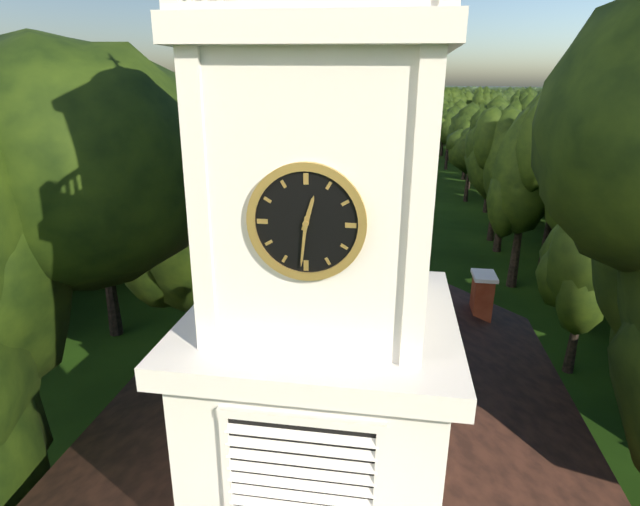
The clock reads 12h31
